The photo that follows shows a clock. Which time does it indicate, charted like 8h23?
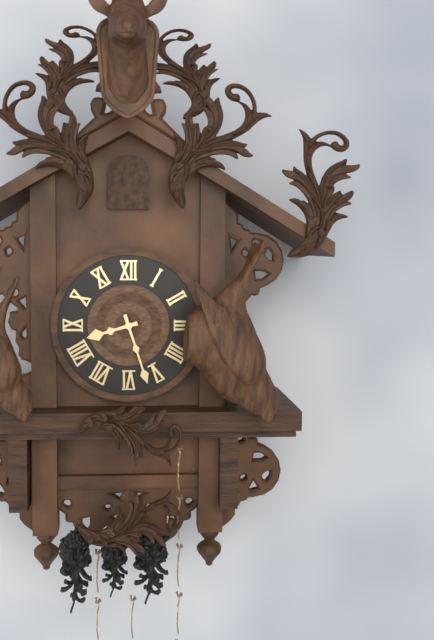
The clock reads 8h27
